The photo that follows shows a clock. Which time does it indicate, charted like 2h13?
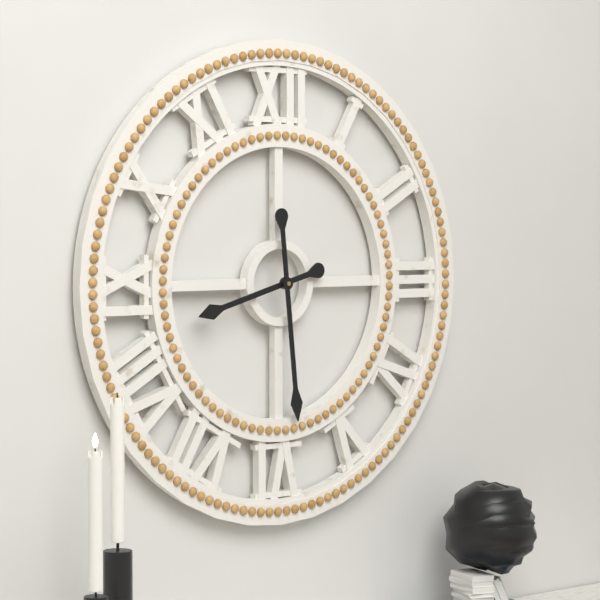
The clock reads 8h29
